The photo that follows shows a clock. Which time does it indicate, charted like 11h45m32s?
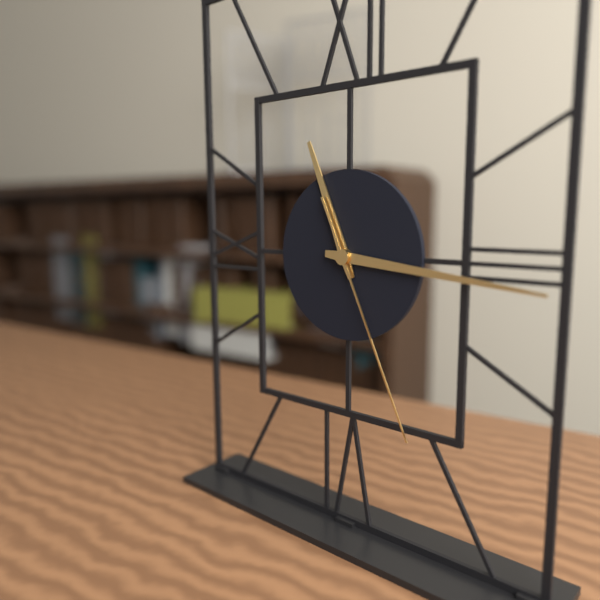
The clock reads 11h16m26s
